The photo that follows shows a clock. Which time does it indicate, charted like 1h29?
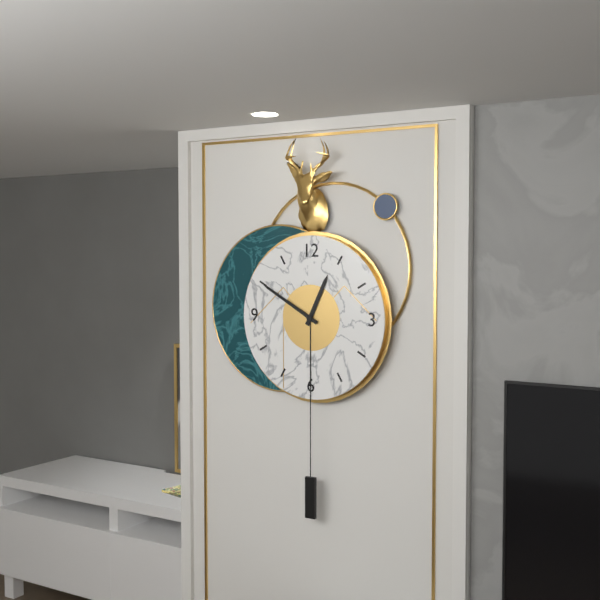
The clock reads 12h50
